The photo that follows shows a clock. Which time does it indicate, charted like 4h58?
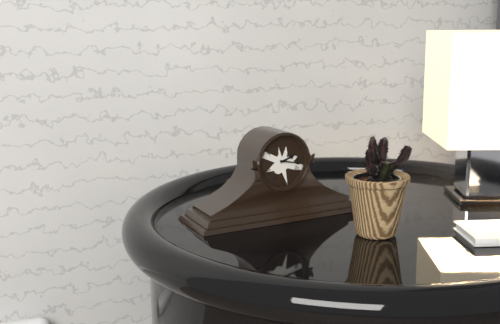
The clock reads 2h17
